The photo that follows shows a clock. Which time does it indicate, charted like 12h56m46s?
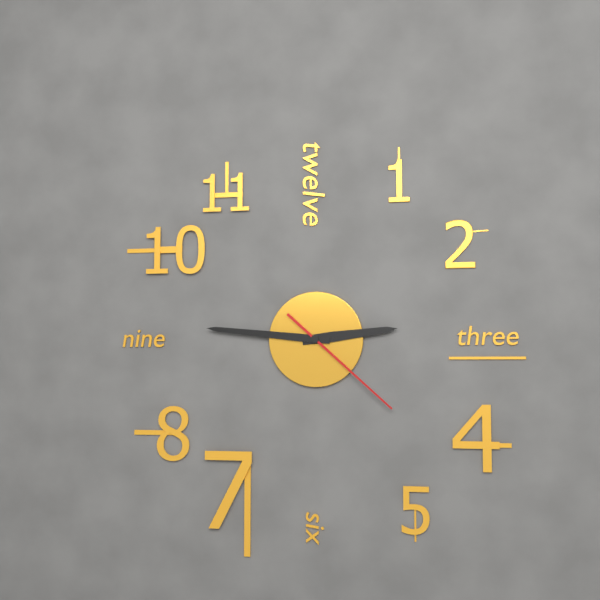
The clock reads 2h46m22s
